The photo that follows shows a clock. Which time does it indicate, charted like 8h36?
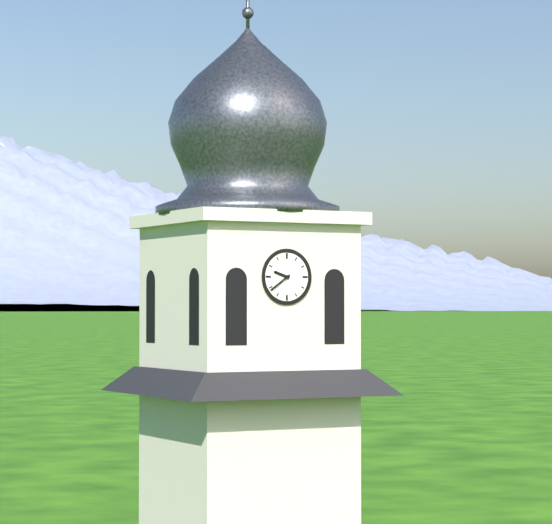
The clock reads 9h39
